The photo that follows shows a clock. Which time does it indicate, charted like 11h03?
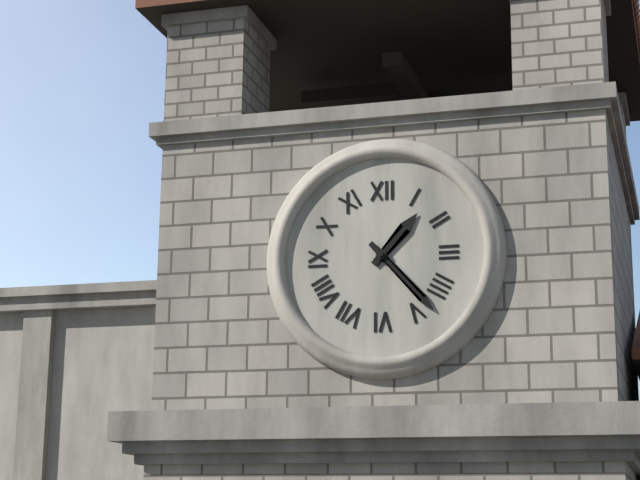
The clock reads 1h23
